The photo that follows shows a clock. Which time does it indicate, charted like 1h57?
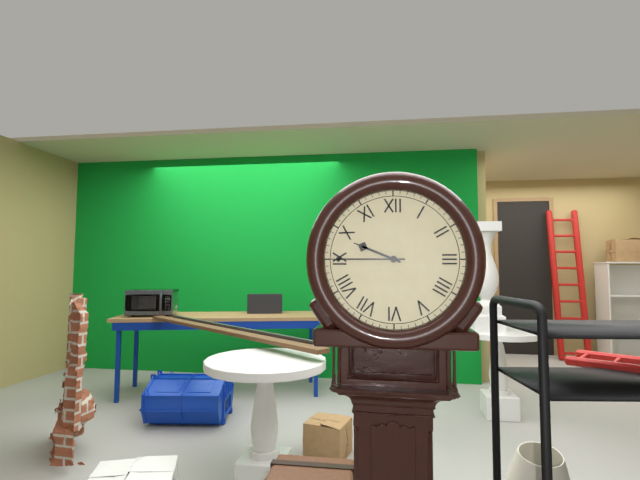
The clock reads 9h45
